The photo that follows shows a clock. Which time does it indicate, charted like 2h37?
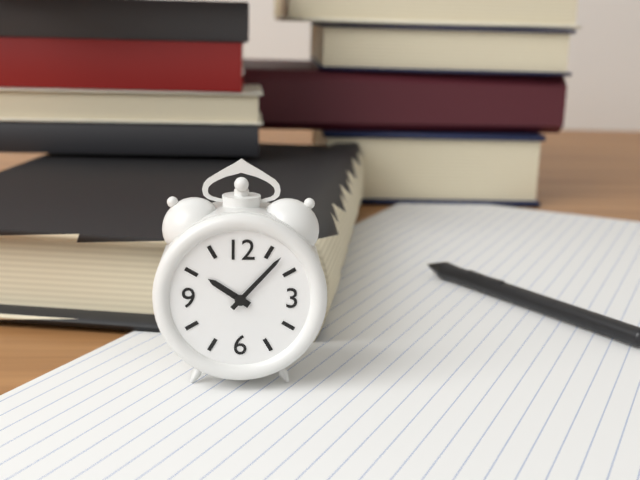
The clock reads 10h07
